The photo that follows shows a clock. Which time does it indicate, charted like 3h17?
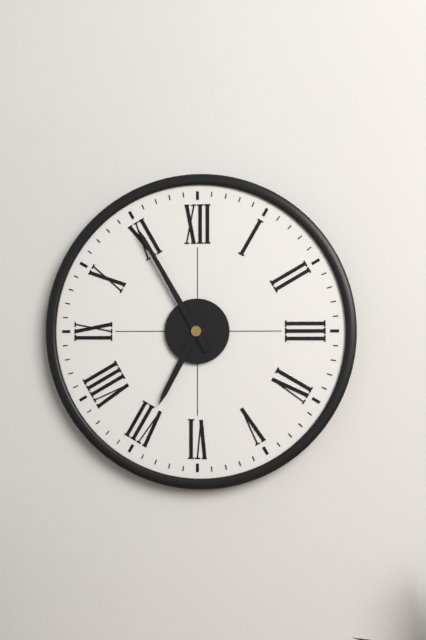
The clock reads 6h55
